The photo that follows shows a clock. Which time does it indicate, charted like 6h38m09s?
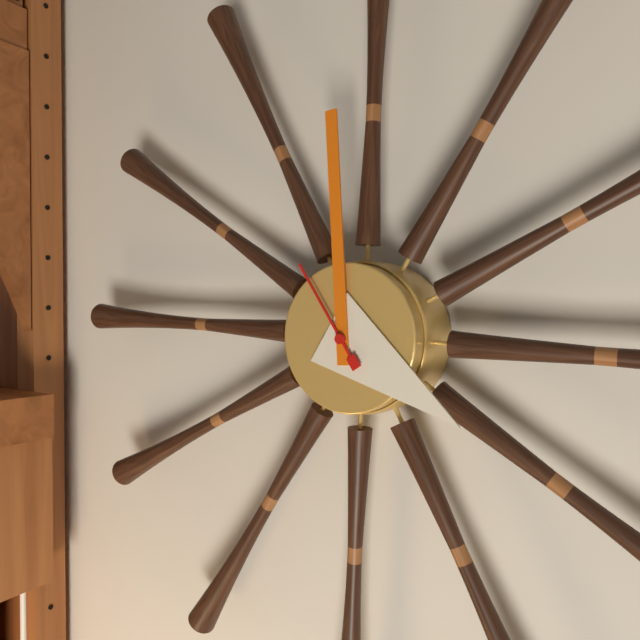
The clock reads 3h59m54s
